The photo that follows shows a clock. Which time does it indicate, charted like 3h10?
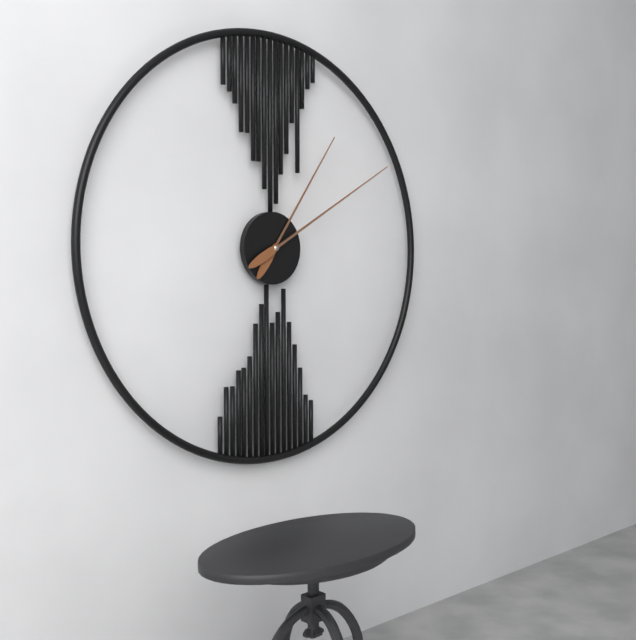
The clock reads 1h10
